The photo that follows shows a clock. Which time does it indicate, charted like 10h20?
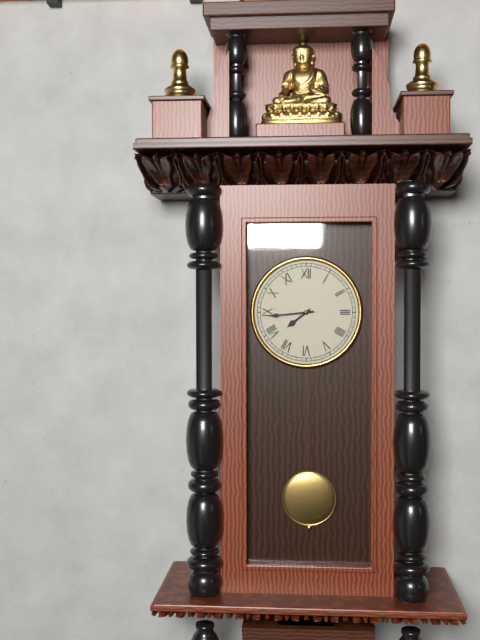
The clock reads 7h44
